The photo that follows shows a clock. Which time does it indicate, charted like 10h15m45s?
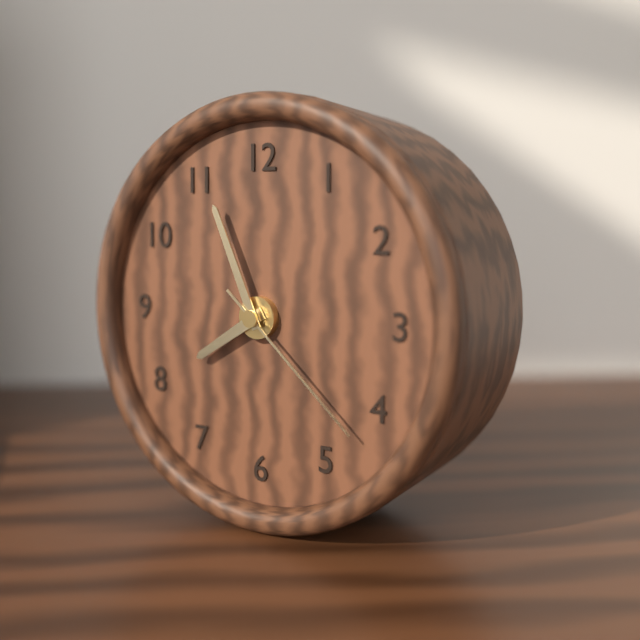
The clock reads 7h56m22s
